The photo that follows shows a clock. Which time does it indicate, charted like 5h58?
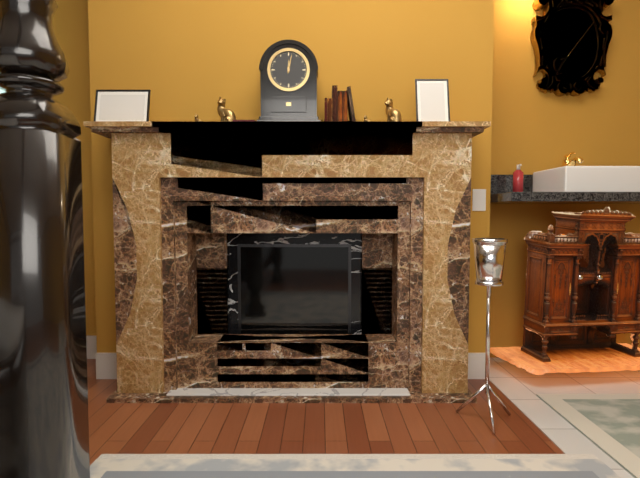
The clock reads 12h02
